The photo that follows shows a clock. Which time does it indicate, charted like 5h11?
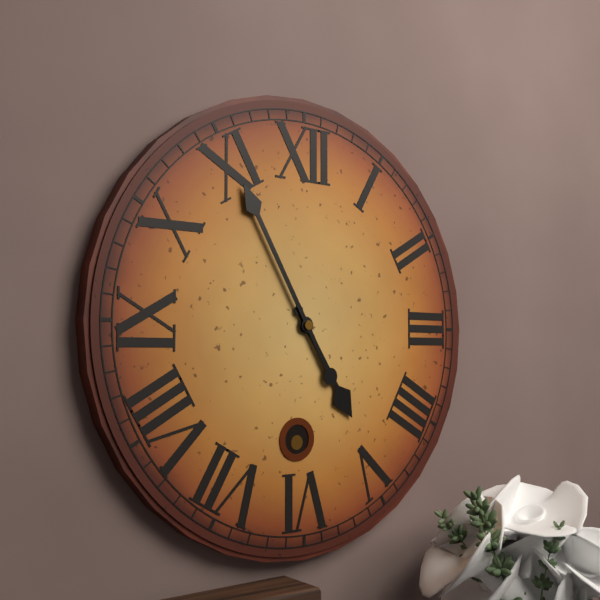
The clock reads 4h55
